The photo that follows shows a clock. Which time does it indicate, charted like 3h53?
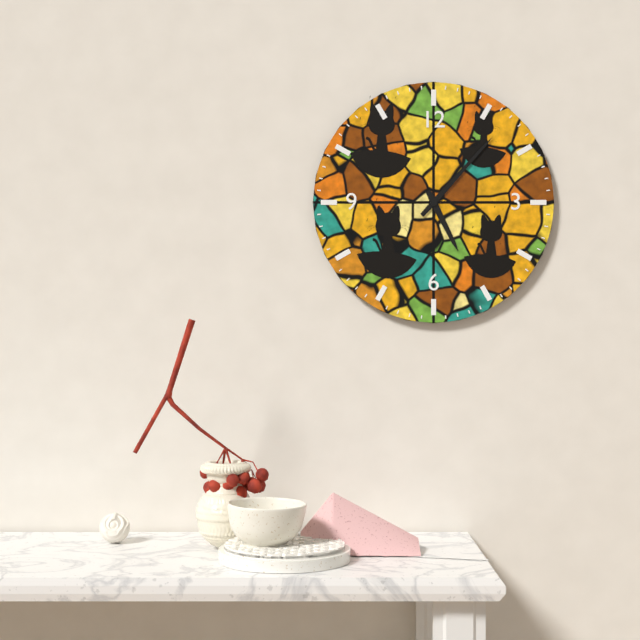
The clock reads 5h07
